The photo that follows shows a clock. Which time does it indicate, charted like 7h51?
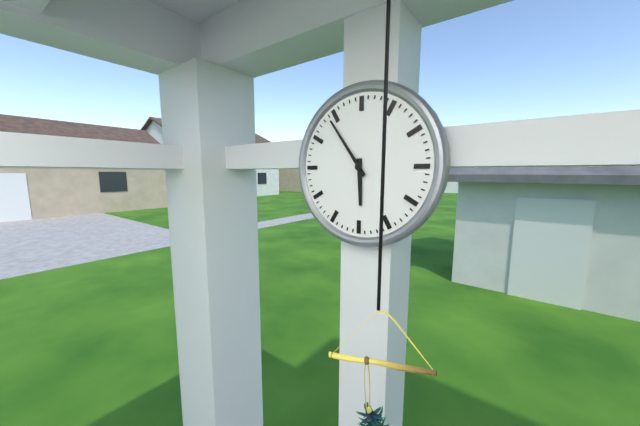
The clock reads 5h54
